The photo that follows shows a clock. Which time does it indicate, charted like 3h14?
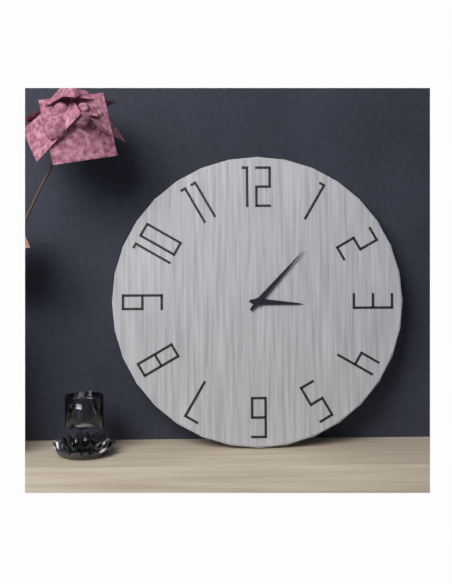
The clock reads 3h07
